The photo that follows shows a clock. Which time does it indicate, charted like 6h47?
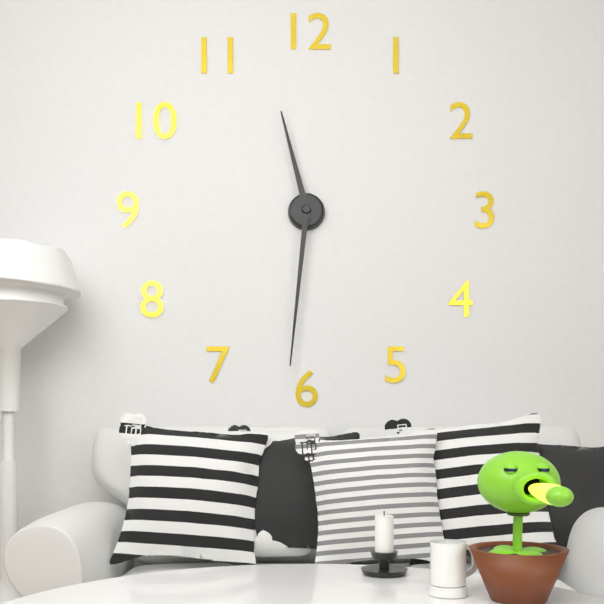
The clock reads 11h31
